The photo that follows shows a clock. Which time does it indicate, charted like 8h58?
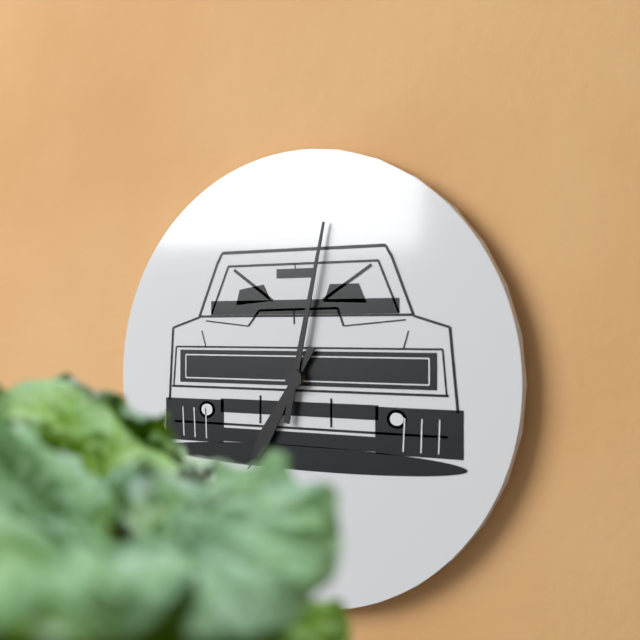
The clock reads 7h02
